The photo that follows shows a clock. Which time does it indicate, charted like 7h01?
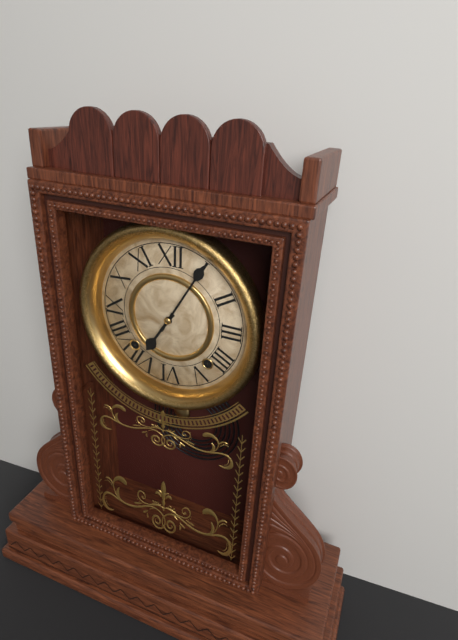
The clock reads 7h05
